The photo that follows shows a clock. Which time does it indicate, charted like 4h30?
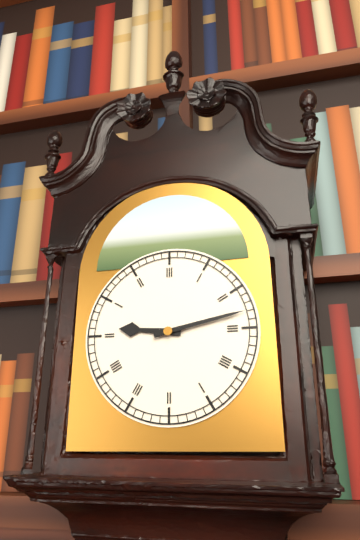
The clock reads 9h13
